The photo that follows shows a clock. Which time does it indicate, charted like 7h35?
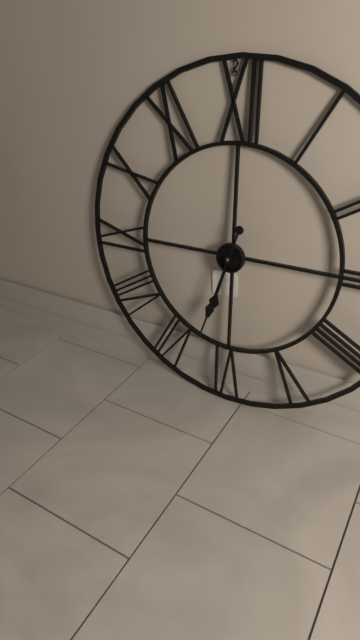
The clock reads 6h33
